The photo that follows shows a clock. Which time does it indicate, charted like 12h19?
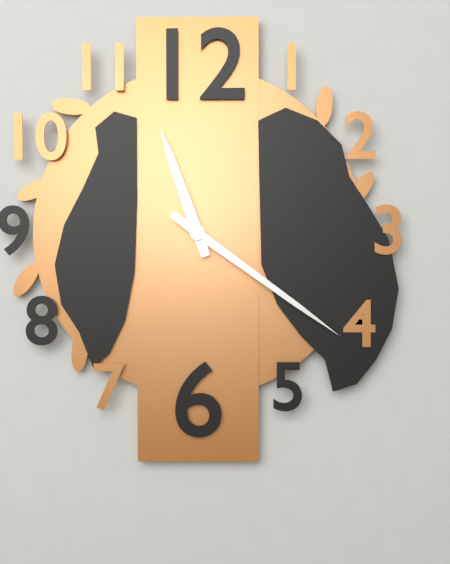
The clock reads 11h21
